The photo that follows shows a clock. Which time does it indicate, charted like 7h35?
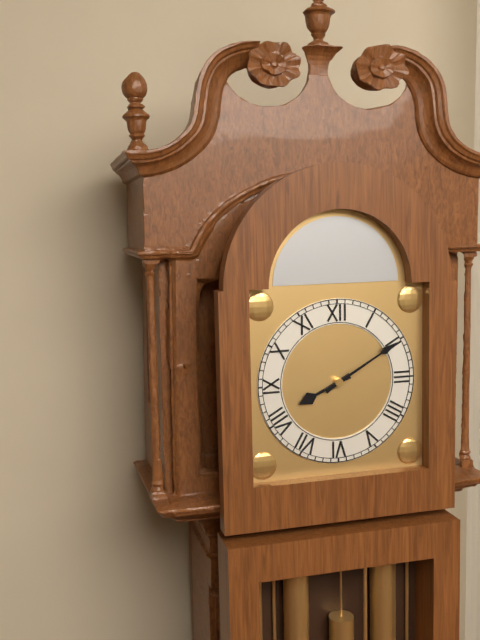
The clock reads 8h10
